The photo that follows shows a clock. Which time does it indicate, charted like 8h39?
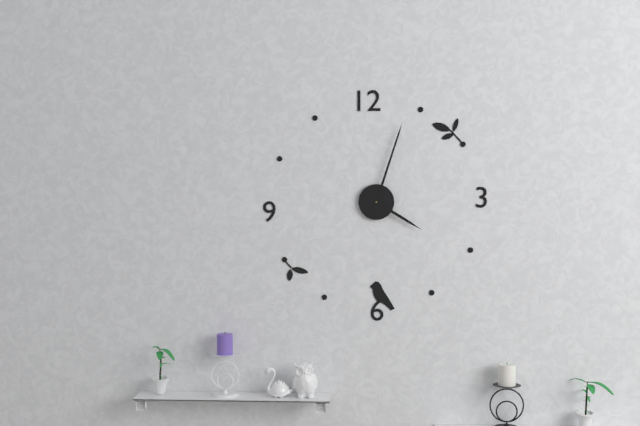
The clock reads 4h03
